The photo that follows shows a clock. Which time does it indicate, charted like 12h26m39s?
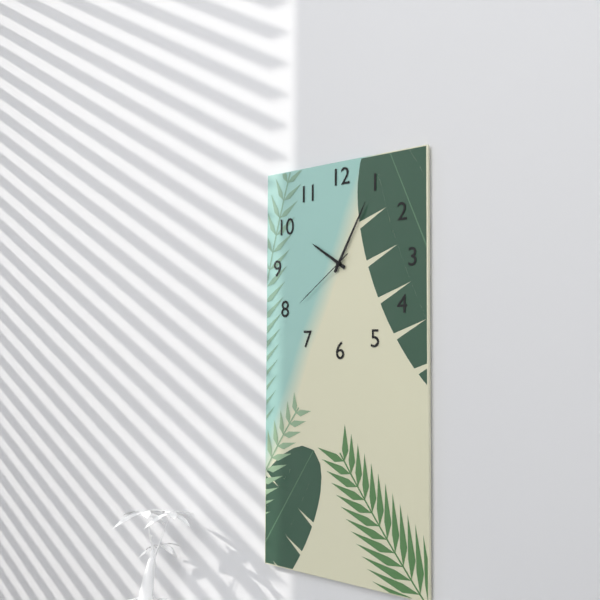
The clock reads 10h05m39s
